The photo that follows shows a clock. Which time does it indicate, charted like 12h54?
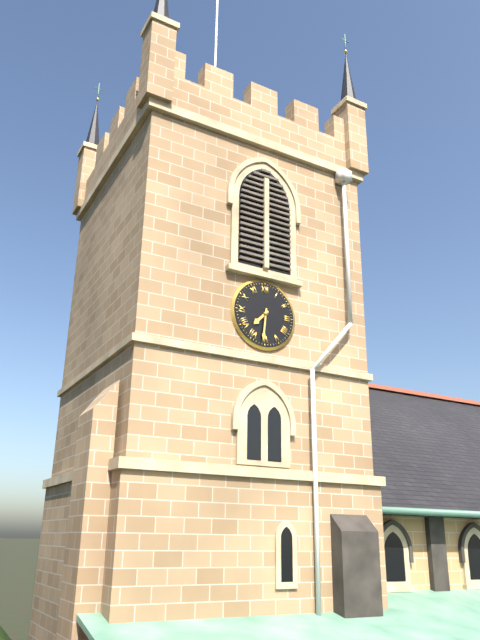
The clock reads 7h31
